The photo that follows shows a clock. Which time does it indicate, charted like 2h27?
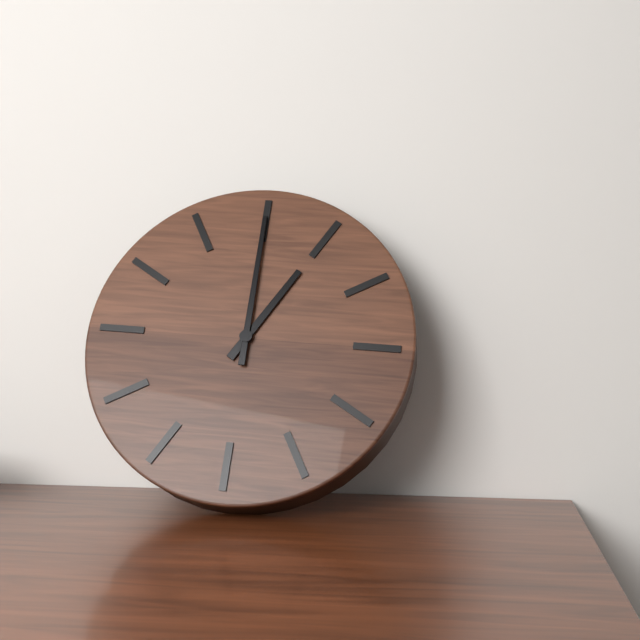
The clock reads 1h00
